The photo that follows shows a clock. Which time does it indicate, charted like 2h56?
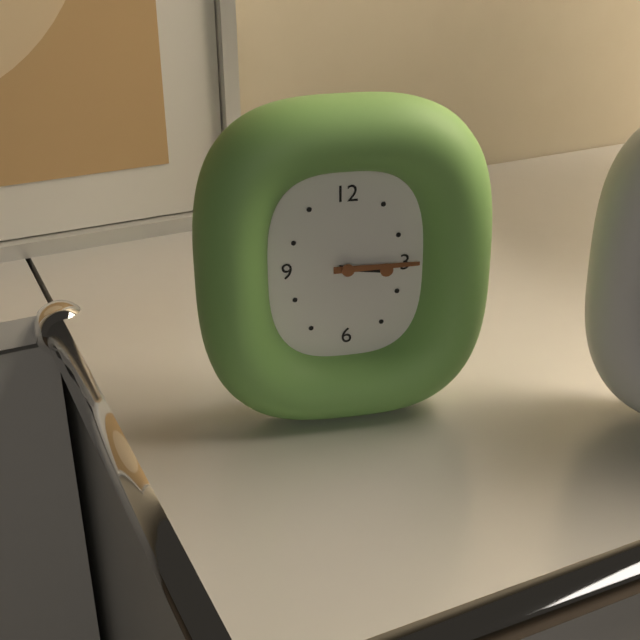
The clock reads 3h15
